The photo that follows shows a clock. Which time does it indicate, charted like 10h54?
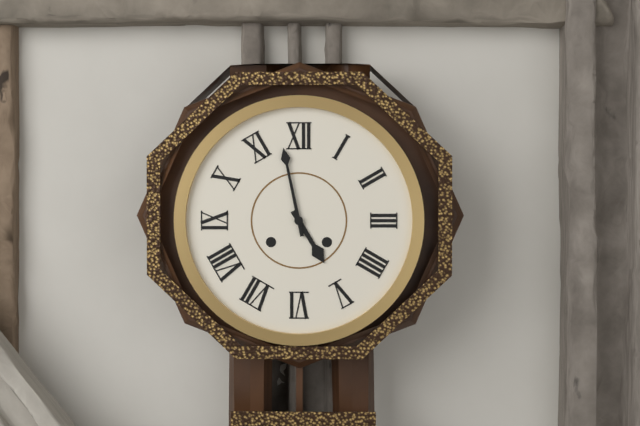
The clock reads 4h58
